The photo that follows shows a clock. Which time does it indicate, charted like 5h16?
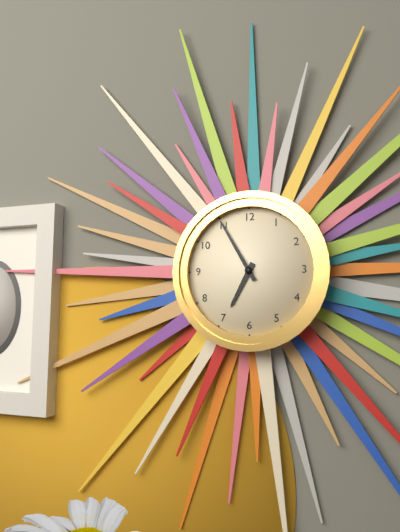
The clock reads 6h55
